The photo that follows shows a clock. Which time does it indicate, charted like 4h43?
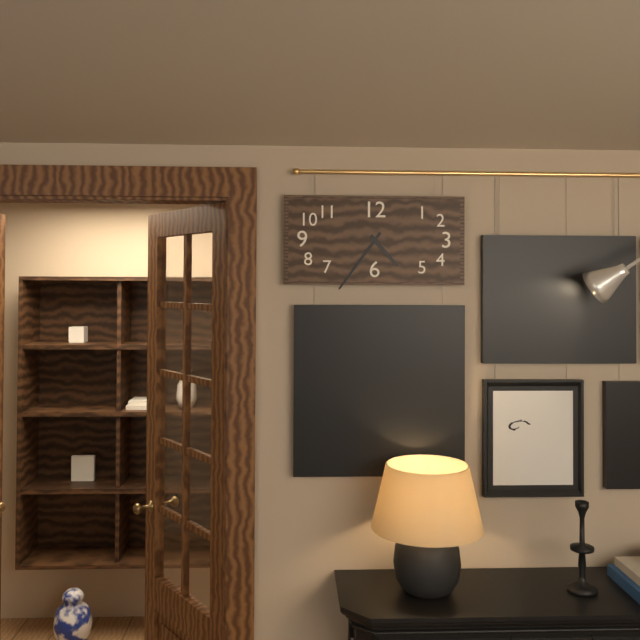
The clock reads 4h36
